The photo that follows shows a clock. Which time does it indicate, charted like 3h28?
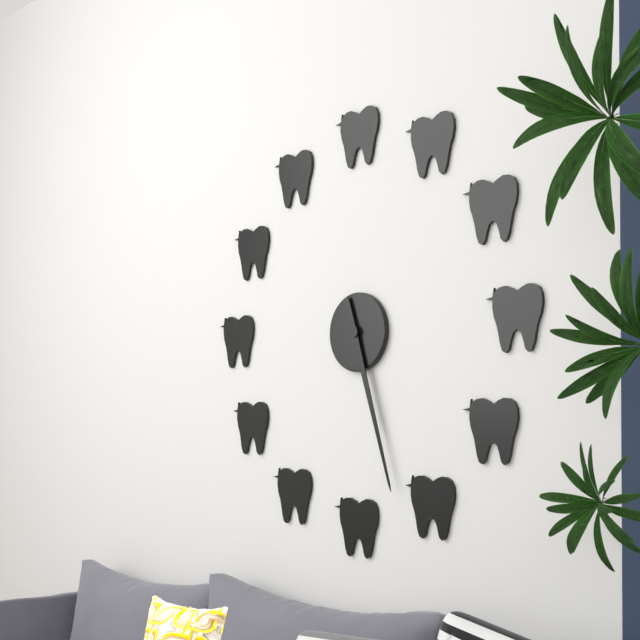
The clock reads 5h27
